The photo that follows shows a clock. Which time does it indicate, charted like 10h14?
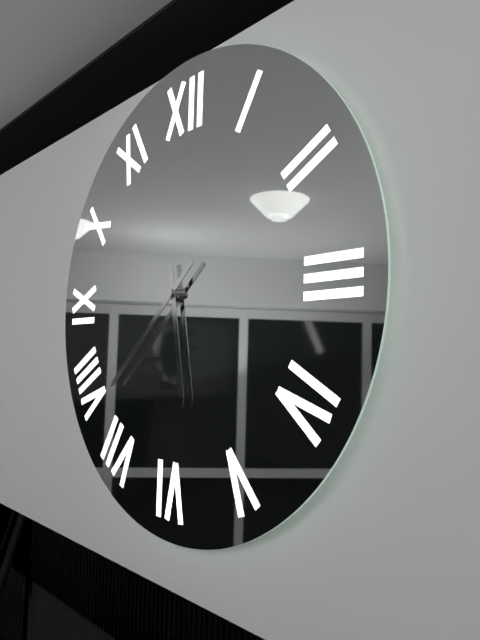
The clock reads 5h38
